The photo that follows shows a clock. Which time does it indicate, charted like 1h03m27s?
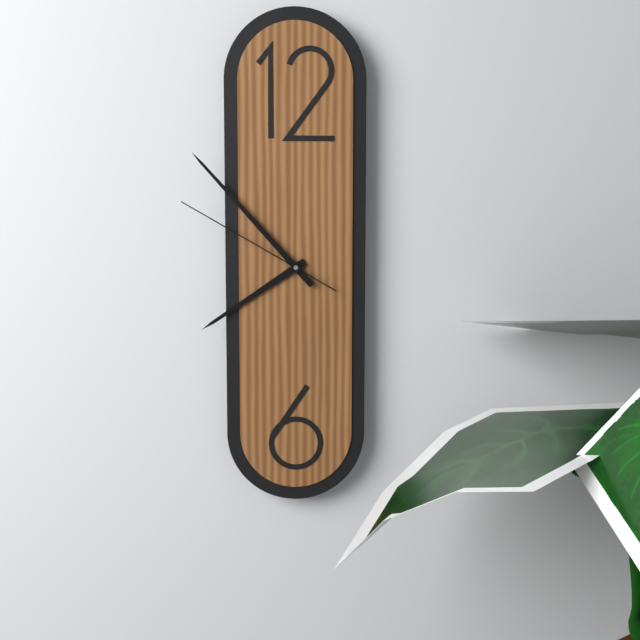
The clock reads 7h53m50s
